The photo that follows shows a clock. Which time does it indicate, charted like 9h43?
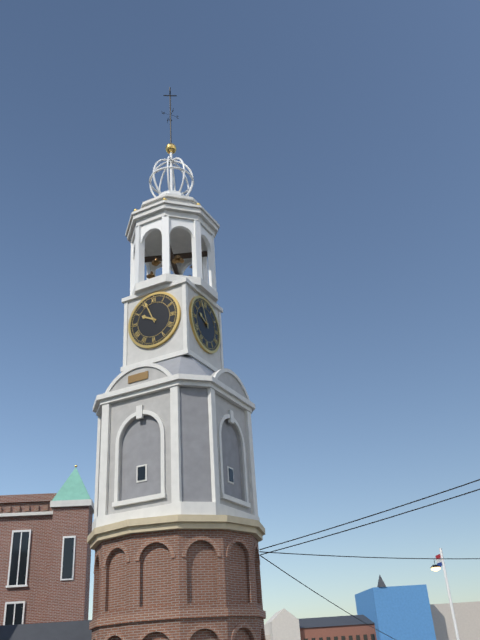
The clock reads 9h56
